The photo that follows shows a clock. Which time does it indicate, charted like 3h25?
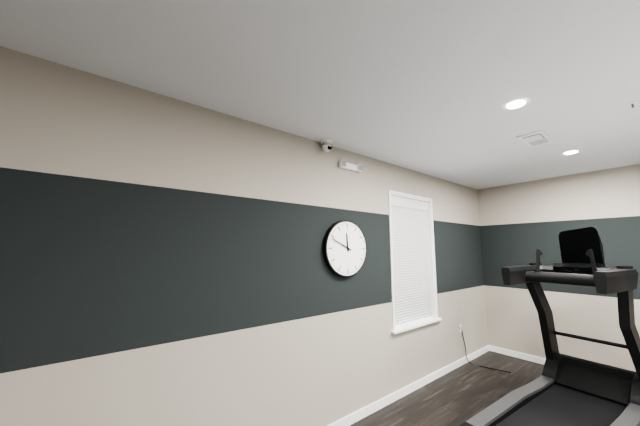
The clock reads 11h49
